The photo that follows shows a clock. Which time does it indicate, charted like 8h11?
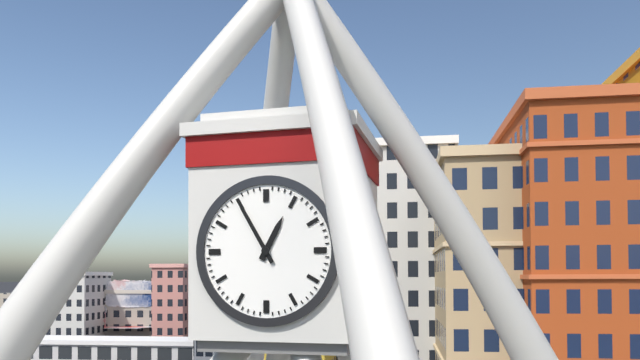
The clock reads 12h55
